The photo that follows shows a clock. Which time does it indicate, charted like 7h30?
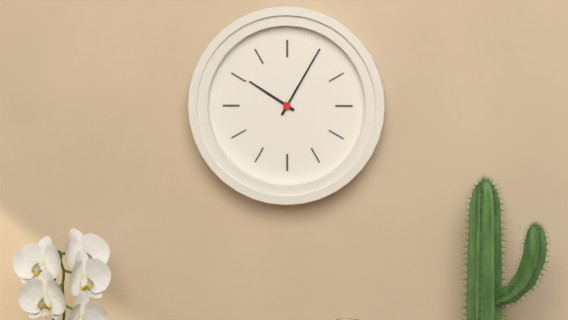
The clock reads 10h05
